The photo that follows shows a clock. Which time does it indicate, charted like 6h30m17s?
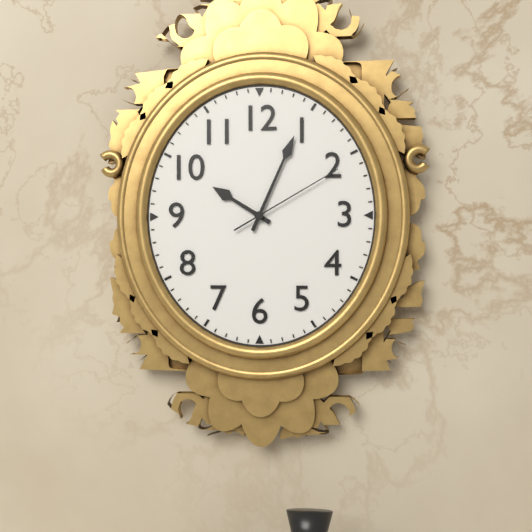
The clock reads 10h04m10s
